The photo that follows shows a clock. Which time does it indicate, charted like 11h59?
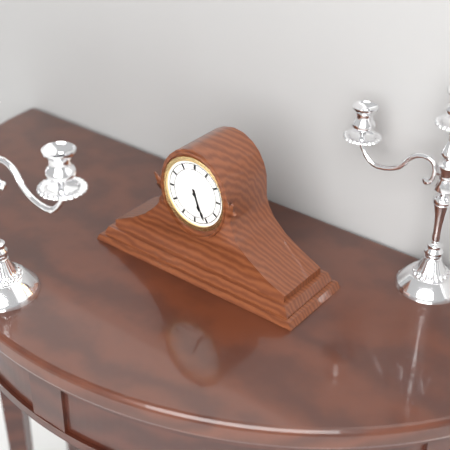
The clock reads 5h26
